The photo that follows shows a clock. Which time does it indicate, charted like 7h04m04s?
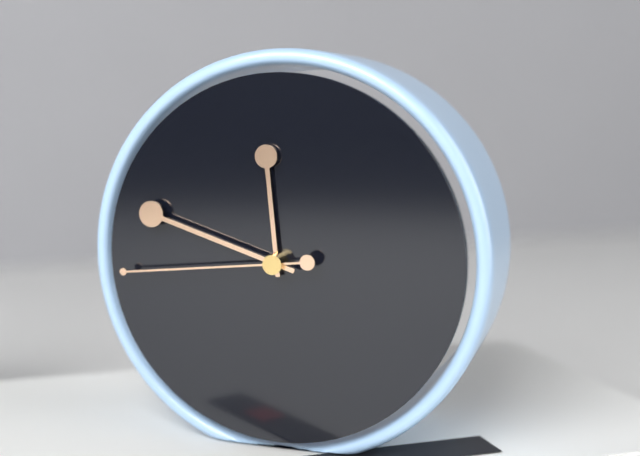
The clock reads 11h48m44s
